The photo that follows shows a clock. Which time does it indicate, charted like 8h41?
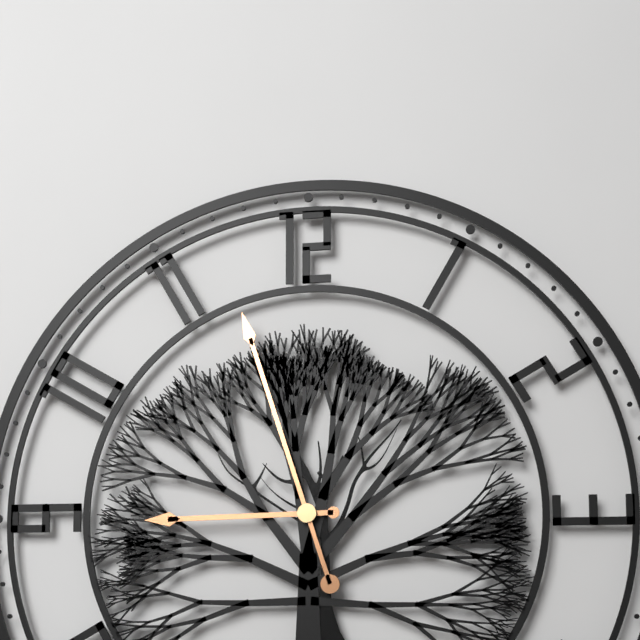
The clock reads 8h57
